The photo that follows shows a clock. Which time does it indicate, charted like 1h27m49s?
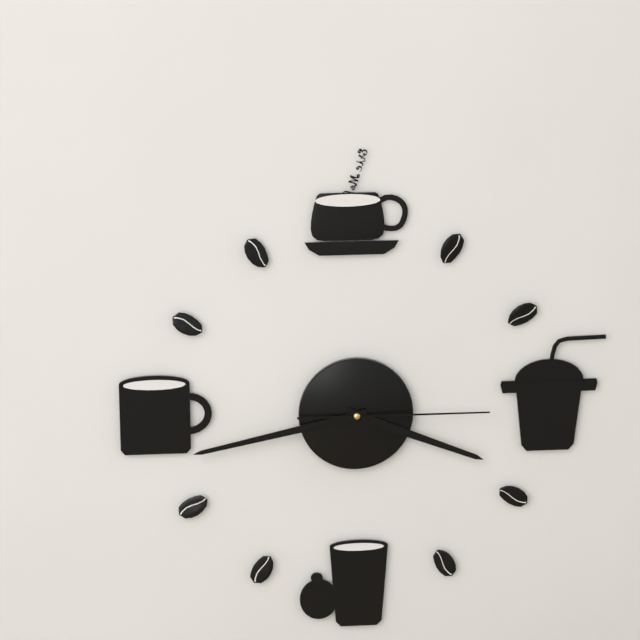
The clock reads 3h43m15s
